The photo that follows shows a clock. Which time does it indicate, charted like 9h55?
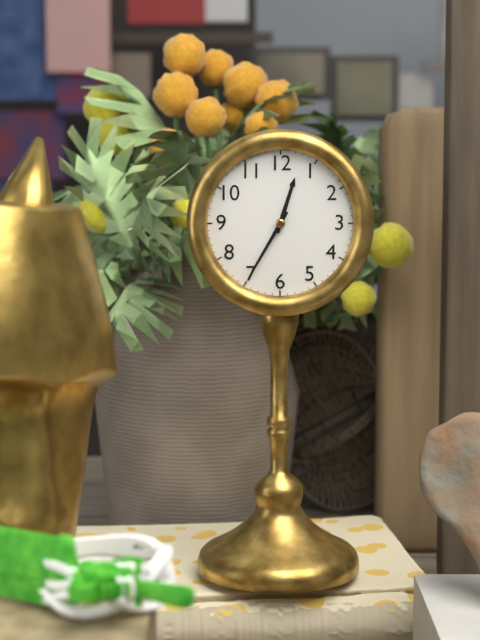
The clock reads 12h35
